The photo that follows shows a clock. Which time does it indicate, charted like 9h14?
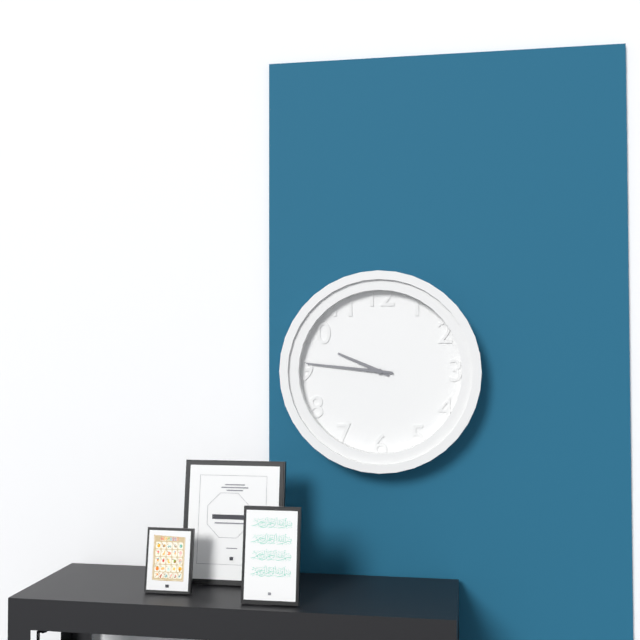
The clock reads 9h46
